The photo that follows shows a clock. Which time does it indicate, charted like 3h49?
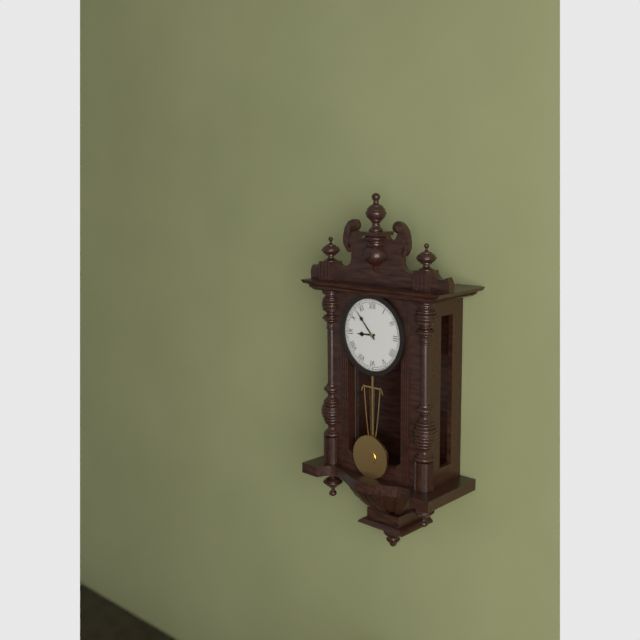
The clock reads 8h53
